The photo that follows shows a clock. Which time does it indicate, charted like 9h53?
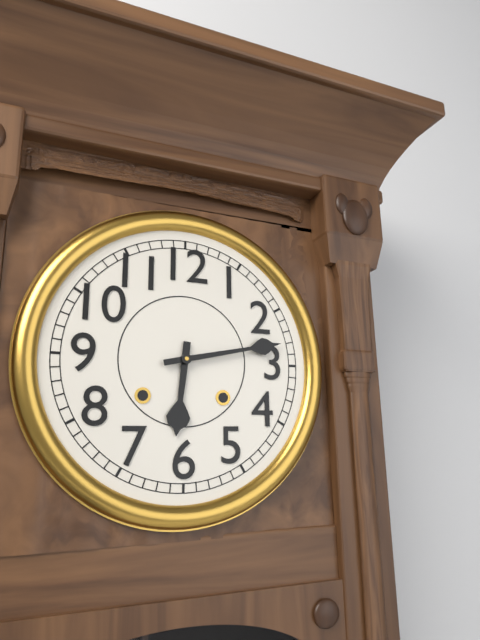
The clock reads 6h13
